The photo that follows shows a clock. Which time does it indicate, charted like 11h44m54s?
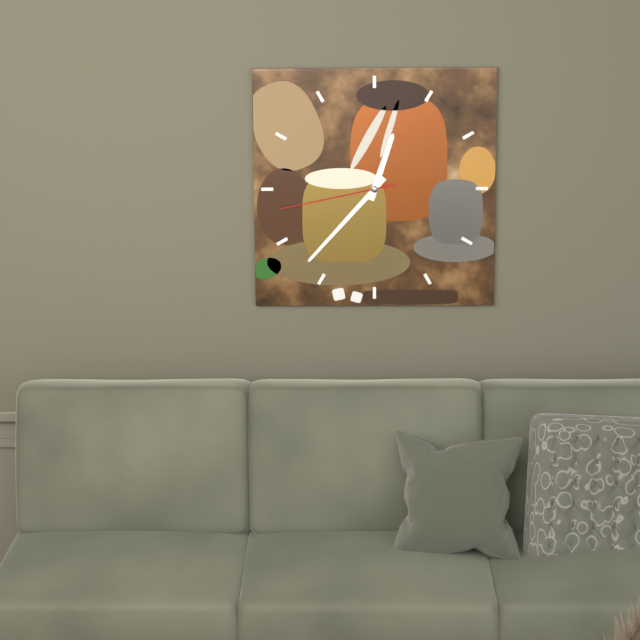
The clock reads 12h37m43s
